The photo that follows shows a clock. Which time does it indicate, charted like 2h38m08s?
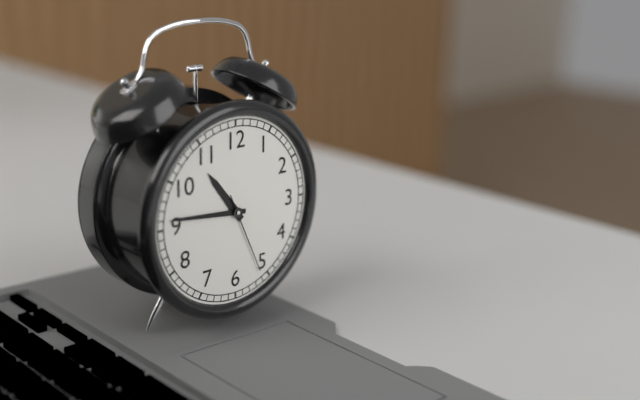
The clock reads 10h46m26s
